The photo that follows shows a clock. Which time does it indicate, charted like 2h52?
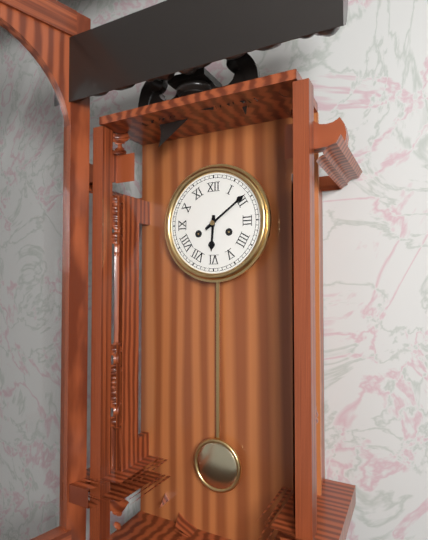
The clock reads 6h09
